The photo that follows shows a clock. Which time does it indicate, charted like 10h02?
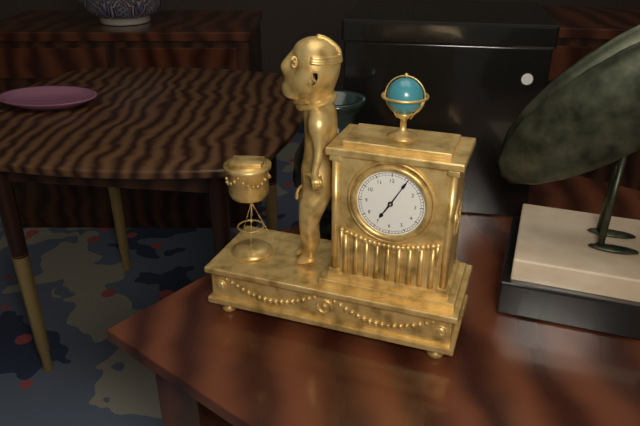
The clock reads 7h05
